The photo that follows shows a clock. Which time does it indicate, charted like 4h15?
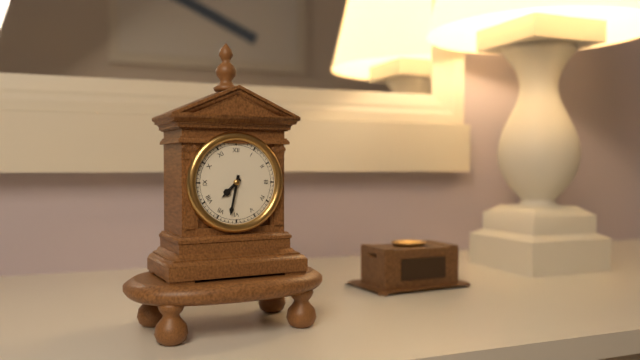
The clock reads 7h32
